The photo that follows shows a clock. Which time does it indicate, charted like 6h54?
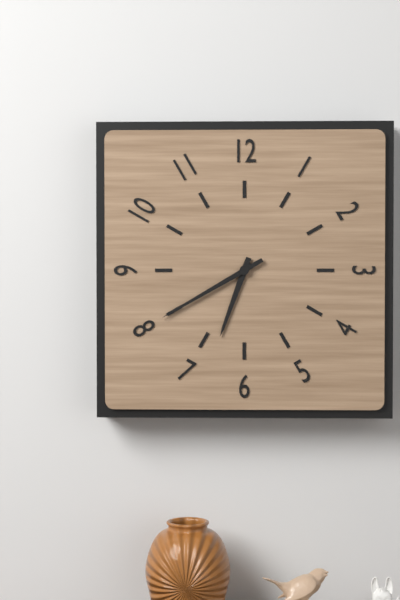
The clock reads 6h40
